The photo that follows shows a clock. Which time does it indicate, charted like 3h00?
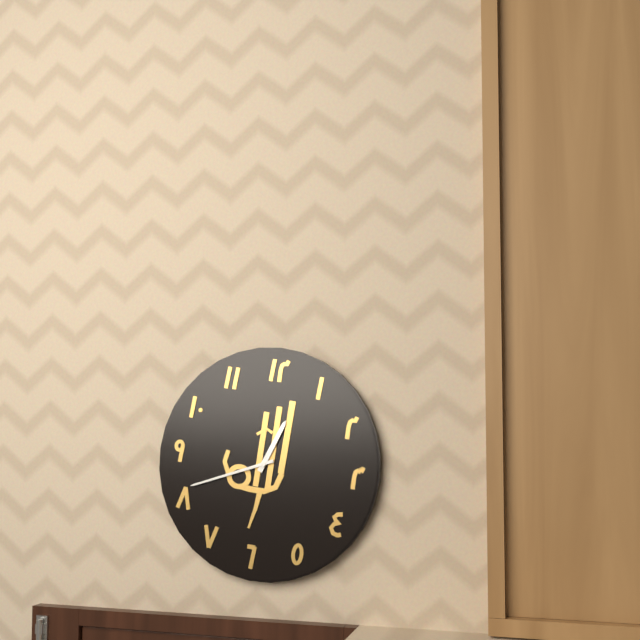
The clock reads 12h41
